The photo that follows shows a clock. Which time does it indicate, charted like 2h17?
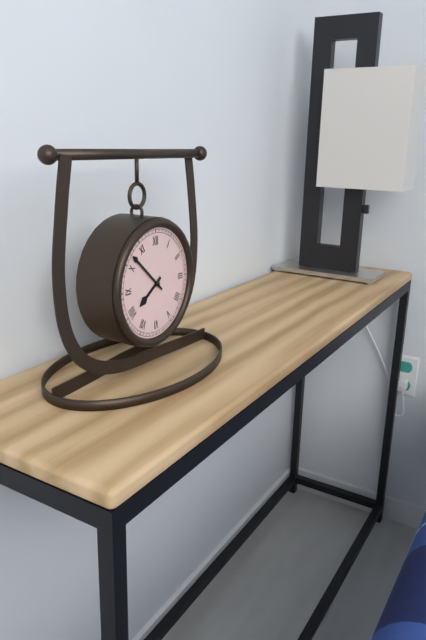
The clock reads 7h52
